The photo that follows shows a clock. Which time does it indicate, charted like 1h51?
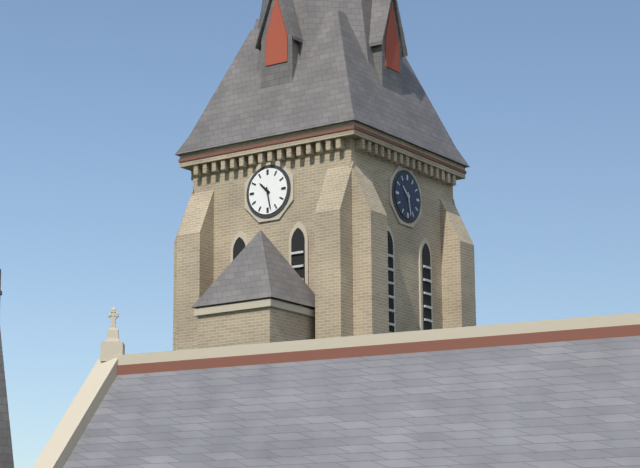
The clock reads 10h28
